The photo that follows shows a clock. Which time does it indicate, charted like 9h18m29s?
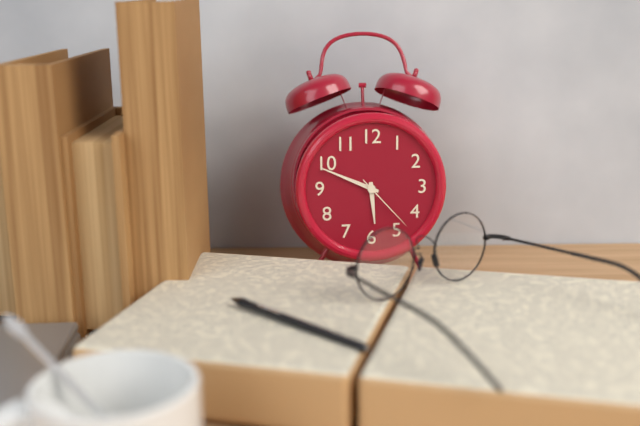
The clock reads 5h49m23s
